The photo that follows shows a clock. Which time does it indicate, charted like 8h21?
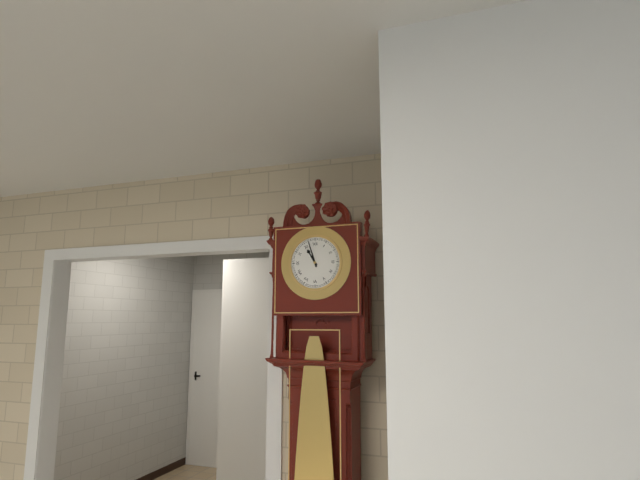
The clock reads 10h57
